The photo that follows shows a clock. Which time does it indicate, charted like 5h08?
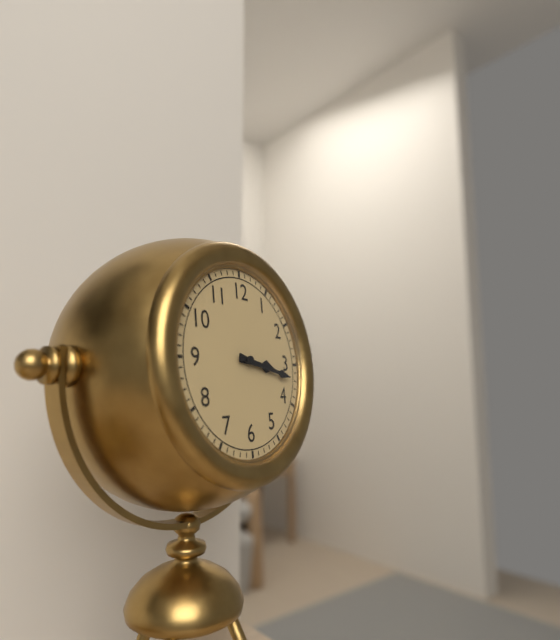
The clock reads 3h17
